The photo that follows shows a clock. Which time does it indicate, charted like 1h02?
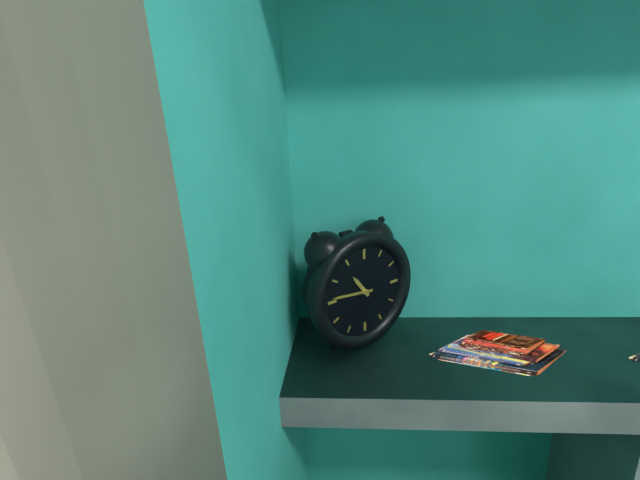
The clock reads 10h46
